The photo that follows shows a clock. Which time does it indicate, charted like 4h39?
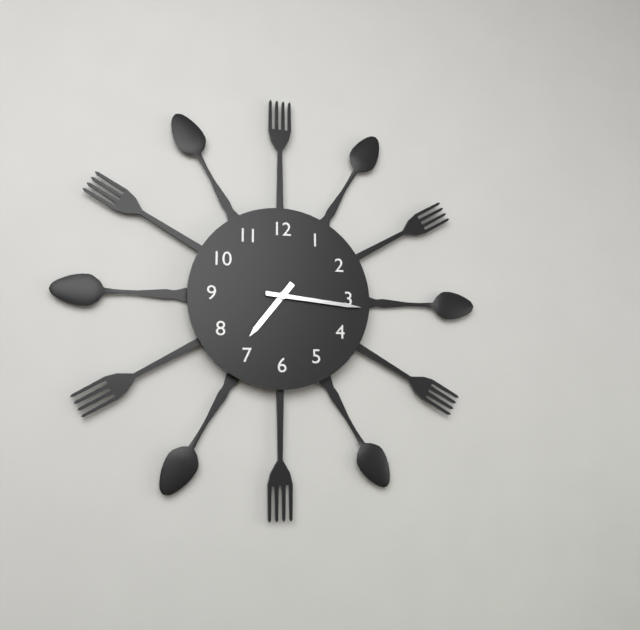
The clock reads 7h16
